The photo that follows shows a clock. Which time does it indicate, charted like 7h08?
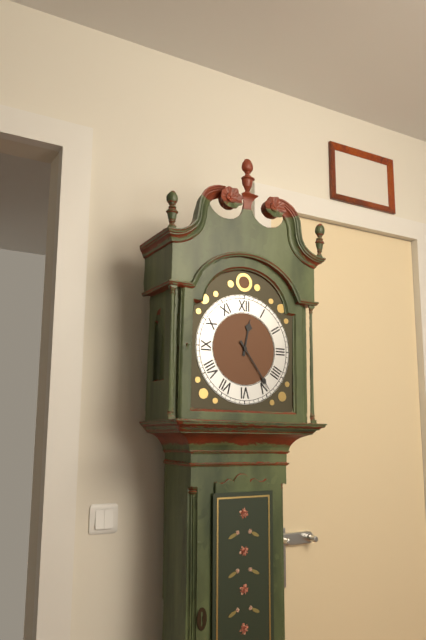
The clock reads 12h24
